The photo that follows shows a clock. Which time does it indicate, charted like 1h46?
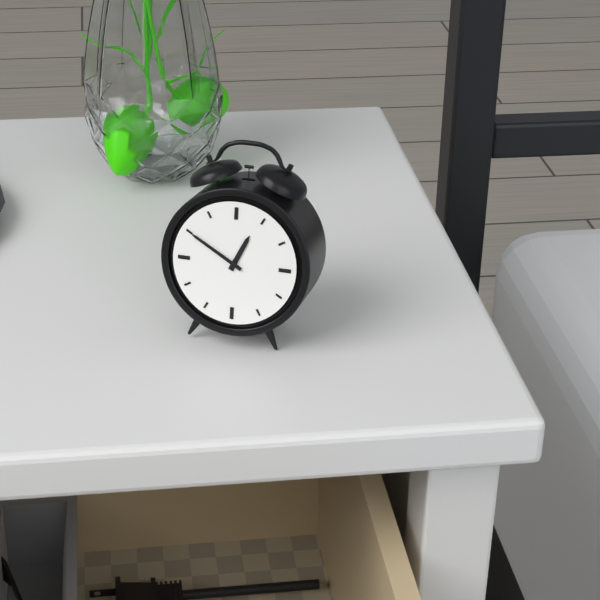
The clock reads 12h50
